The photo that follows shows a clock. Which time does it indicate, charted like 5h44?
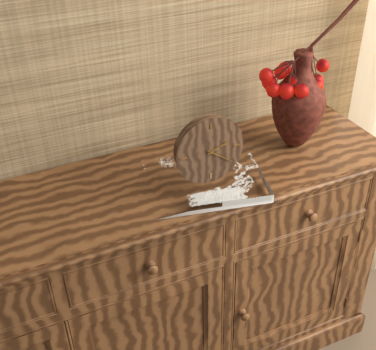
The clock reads 2h21
